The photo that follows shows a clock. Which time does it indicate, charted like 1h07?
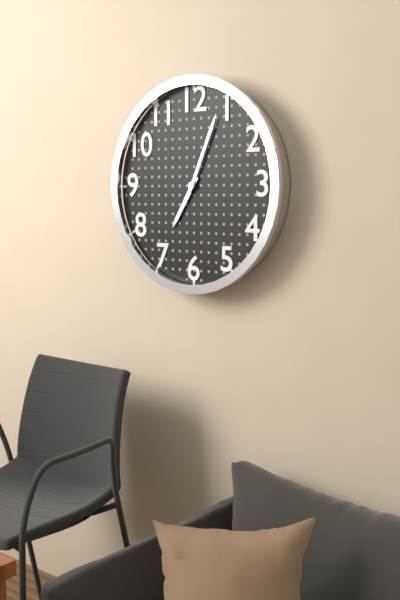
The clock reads 7h04
